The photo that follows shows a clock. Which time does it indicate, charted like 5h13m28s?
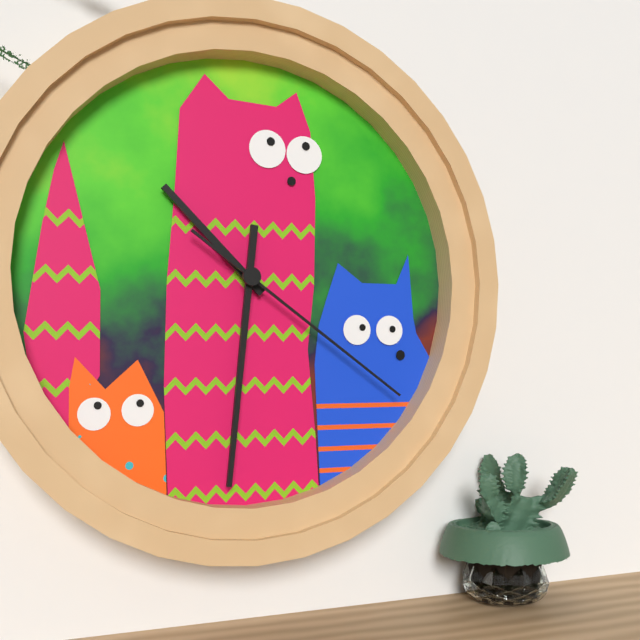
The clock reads 10h31m21s
